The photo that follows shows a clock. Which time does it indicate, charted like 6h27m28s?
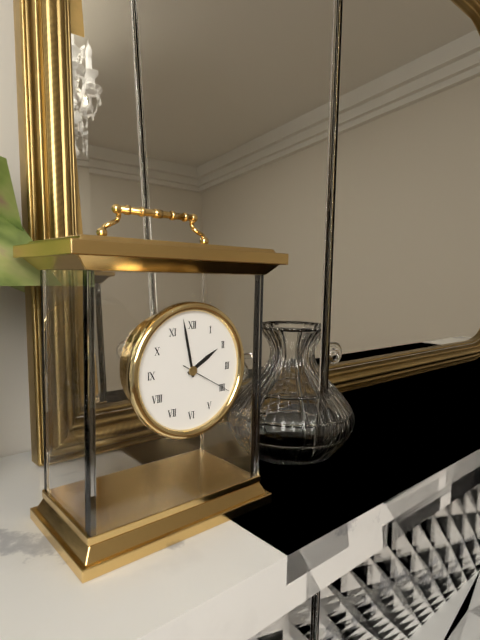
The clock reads 1h58m20s
